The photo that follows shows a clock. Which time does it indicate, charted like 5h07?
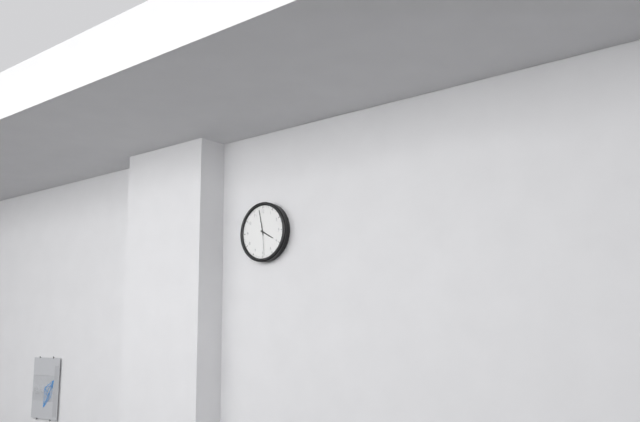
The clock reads 3h58
